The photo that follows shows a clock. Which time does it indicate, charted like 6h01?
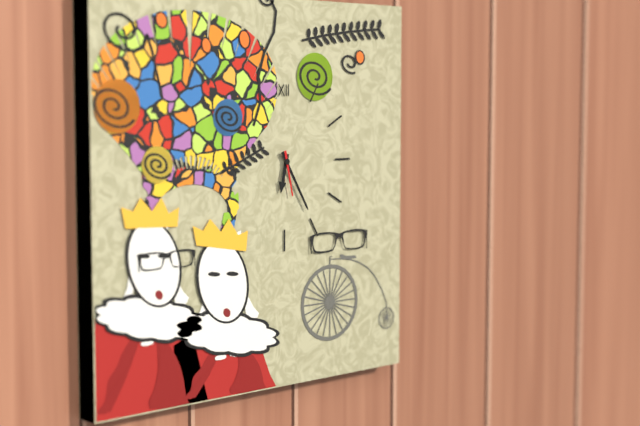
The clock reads 6h25
